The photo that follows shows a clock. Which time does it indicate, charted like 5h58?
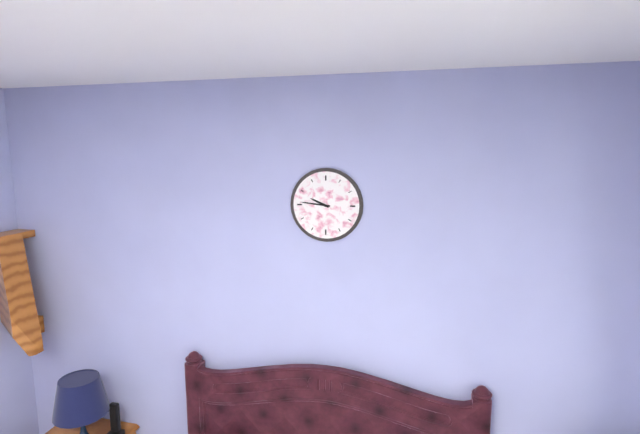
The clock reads 9h46
